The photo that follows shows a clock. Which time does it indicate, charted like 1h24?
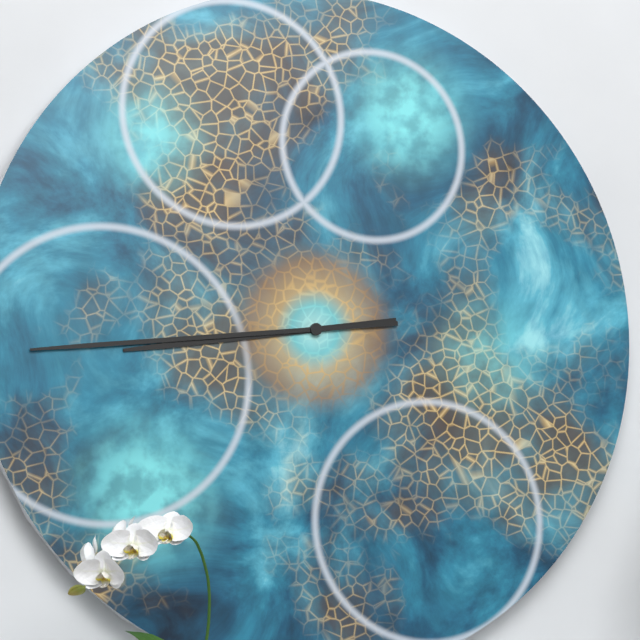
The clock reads 8h44
